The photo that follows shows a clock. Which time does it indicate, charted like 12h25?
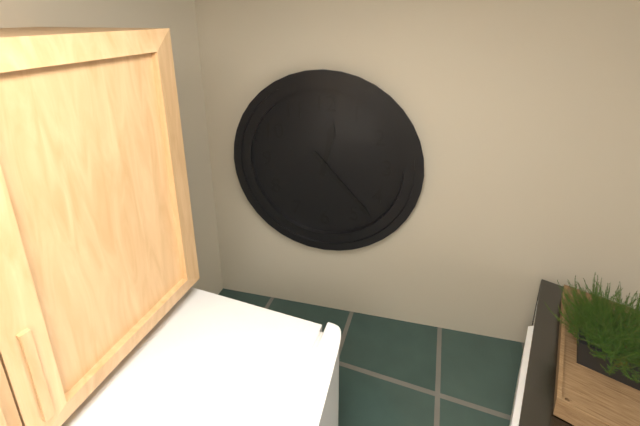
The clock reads 12h23
